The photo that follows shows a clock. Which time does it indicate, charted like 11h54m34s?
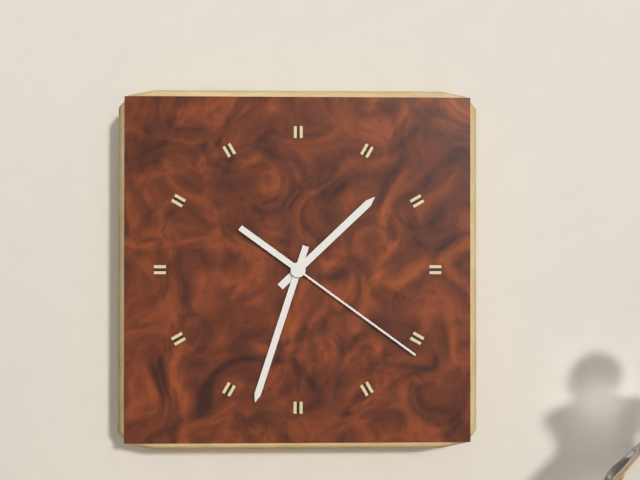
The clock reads 1h33m21s
